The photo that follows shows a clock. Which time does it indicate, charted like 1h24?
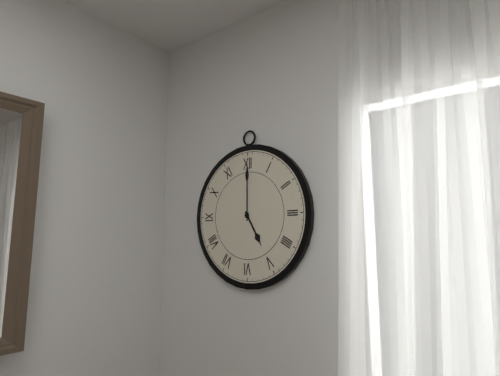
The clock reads 5h00
